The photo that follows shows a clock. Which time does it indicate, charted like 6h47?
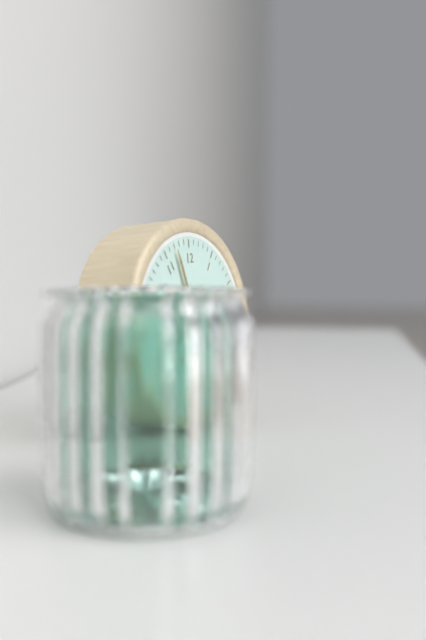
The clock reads 7h57
